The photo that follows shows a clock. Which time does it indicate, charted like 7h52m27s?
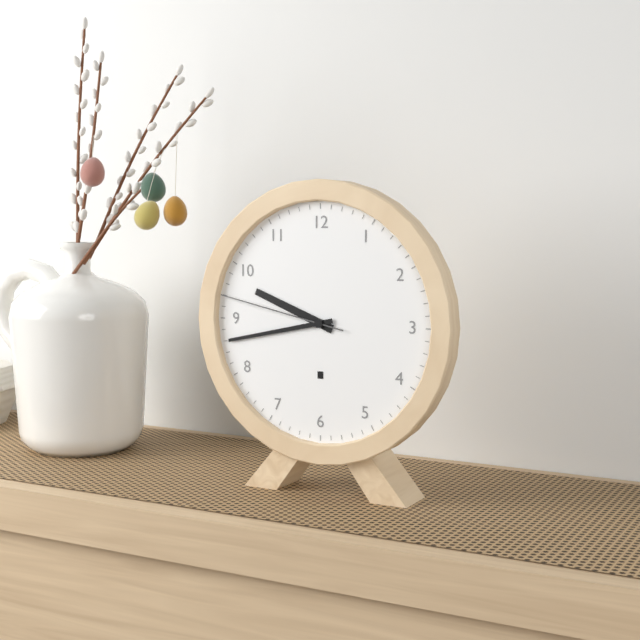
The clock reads 9h43m47s
